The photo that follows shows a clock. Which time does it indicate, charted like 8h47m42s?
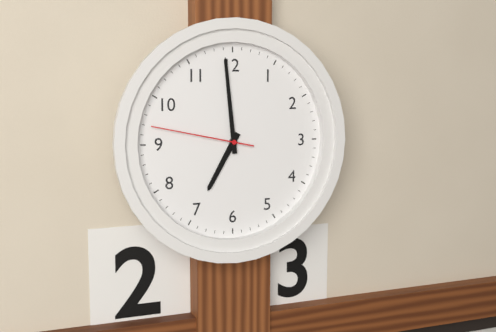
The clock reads 6h59m47s
